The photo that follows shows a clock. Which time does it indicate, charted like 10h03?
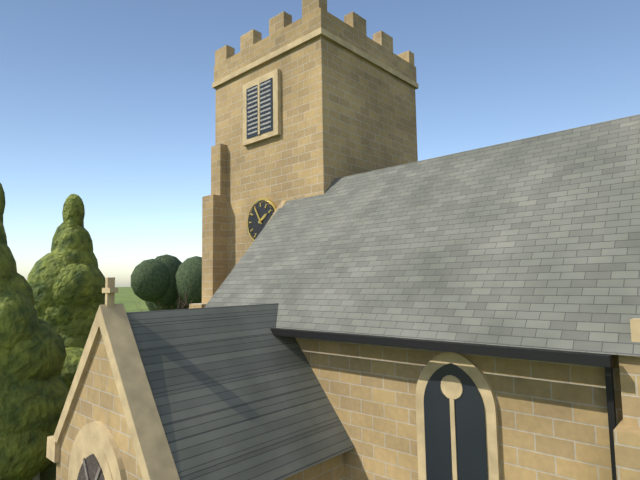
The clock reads 1h55
